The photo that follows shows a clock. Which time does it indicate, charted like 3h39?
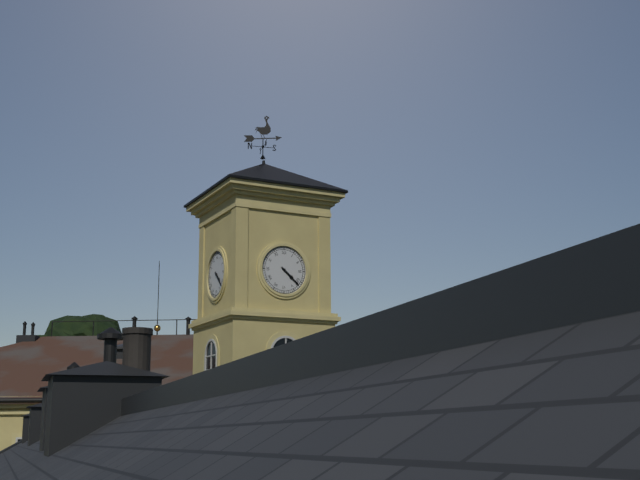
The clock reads 4h22
